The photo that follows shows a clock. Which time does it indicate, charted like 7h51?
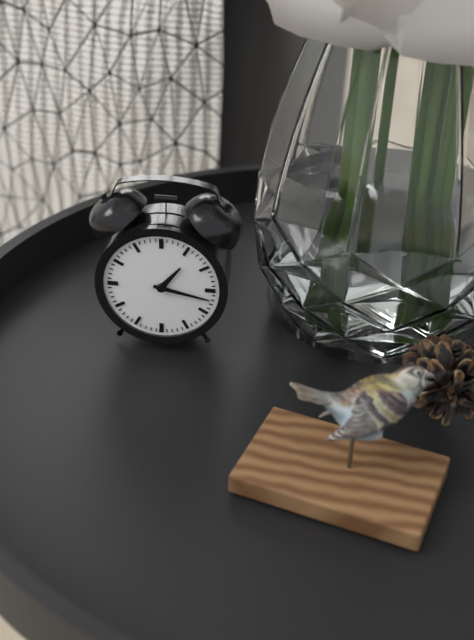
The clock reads 1h17
